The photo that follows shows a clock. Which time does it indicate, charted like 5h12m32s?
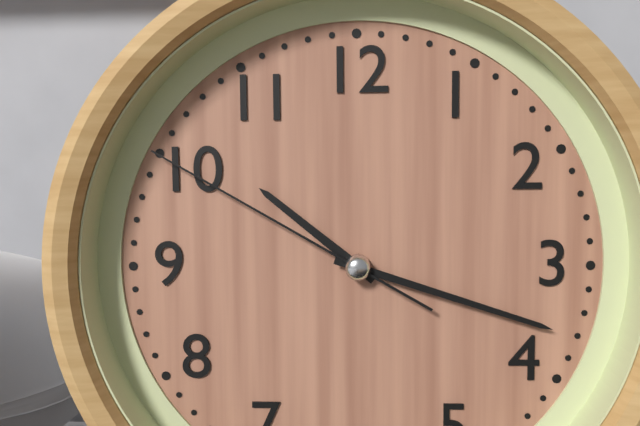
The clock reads 10h18m50s
